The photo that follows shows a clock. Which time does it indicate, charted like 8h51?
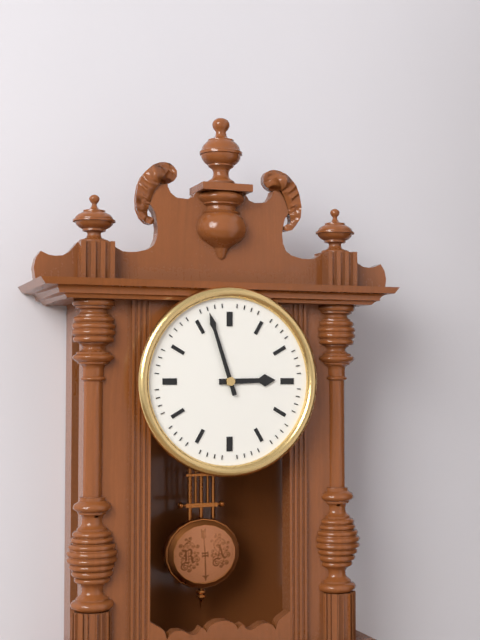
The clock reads 2h57
